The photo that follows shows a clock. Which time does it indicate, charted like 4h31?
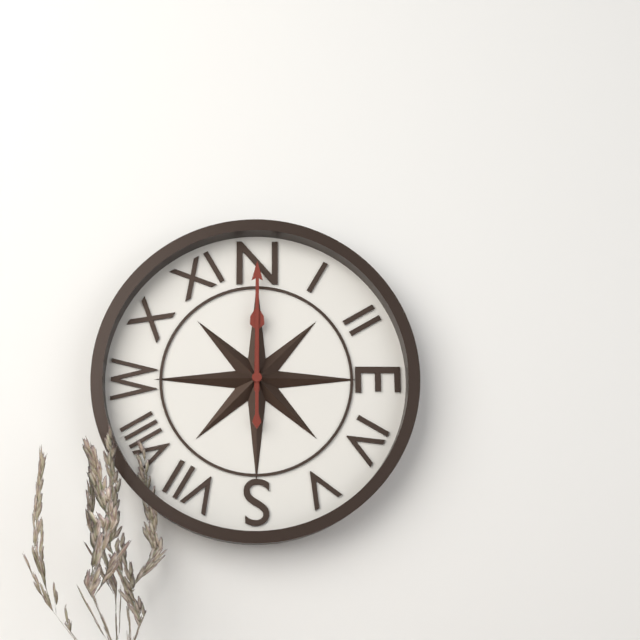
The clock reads 12h00
